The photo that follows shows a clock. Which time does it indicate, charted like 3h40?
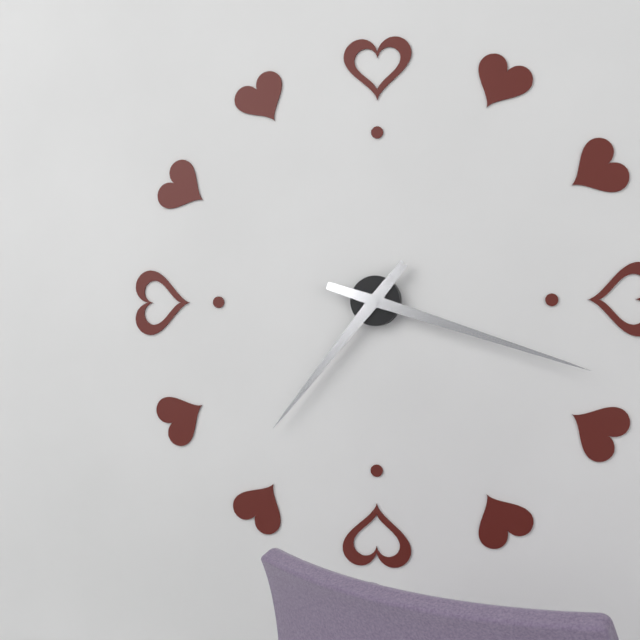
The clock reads 7h18
